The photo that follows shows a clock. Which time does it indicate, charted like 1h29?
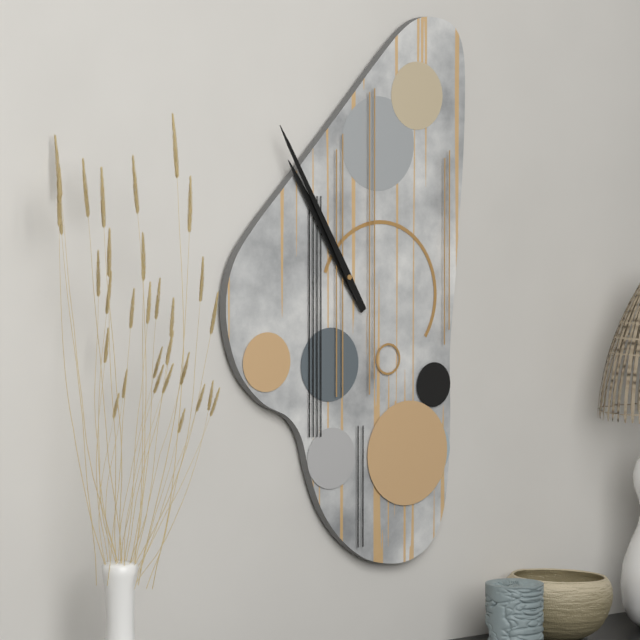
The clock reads 10h55
